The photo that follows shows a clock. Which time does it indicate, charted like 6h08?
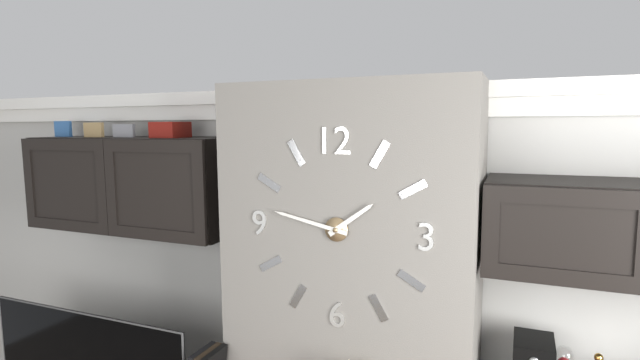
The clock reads 1h47
